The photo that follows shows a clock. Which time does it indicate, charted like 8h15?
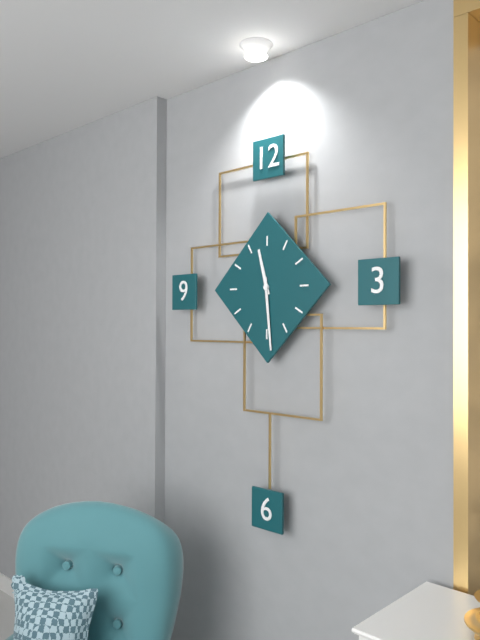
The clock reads 11h29
